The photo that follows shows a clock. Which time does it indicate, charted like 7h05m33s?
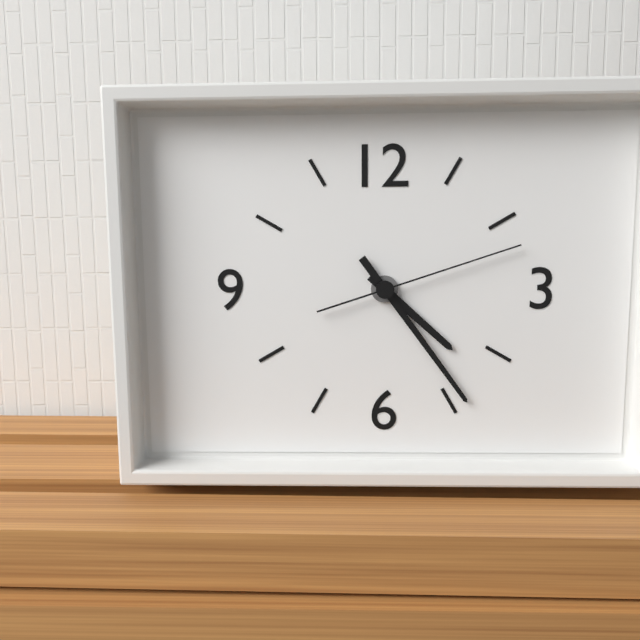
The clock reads 4h24m12s
